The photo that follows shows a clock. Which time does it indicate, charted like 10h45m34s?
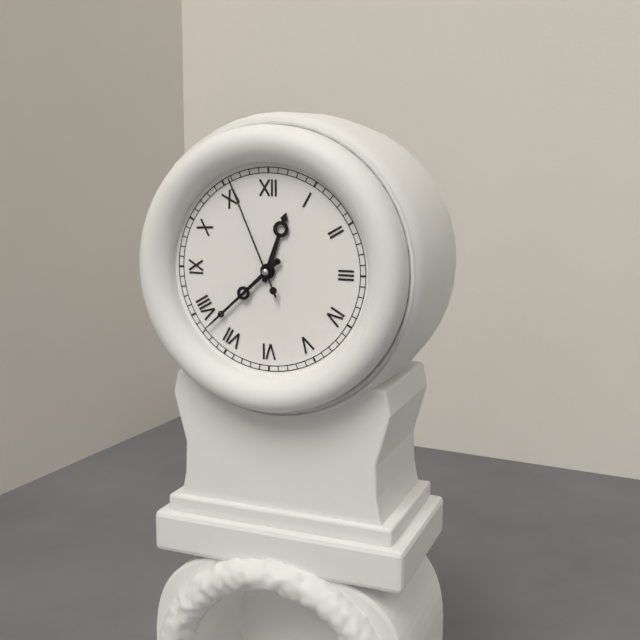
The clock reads 12h38m56s
